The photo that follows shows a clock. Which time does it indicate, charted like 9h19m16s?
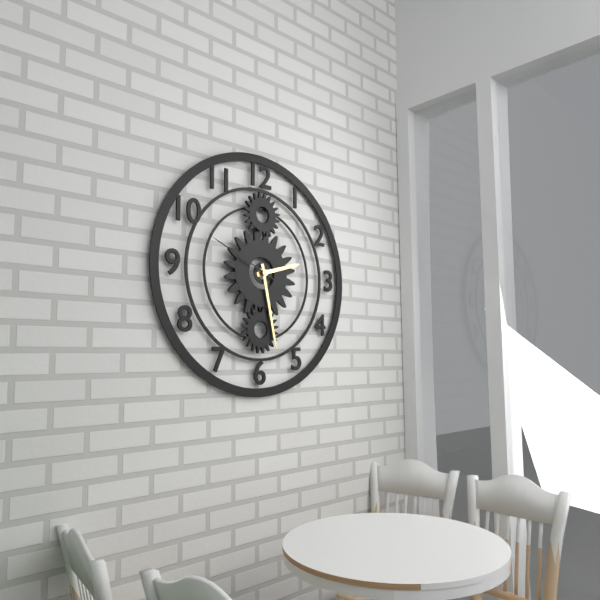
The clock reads 2h28m49s
